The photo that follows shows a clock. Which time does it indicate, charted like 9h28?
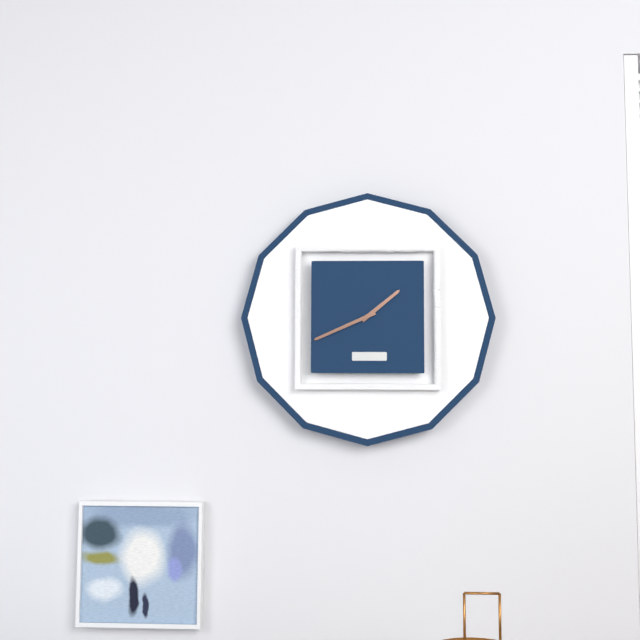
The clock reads 1h41
